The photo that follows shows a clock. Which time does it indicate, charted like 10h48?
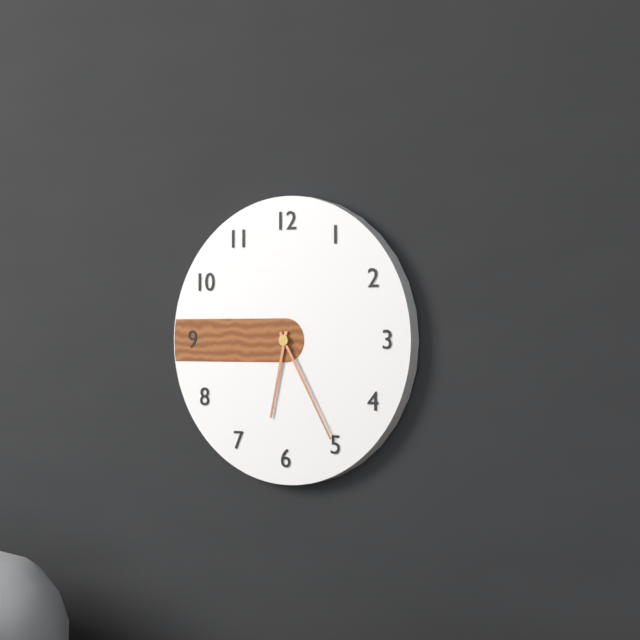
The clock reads 6h25
